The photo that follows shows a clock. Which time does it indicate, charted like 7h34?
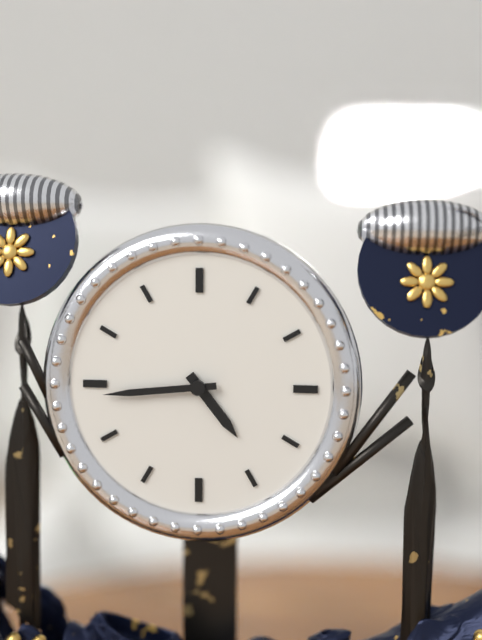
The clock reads 4h44
